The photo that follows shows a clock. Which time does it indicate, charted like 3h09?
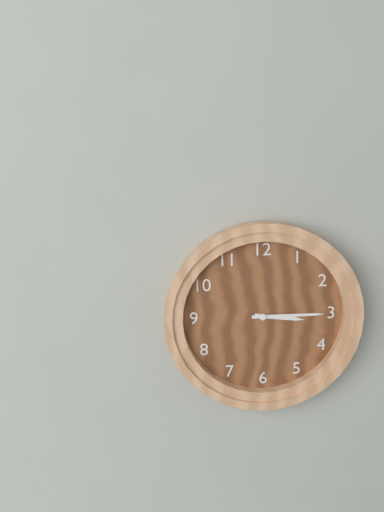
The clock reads 3h15
